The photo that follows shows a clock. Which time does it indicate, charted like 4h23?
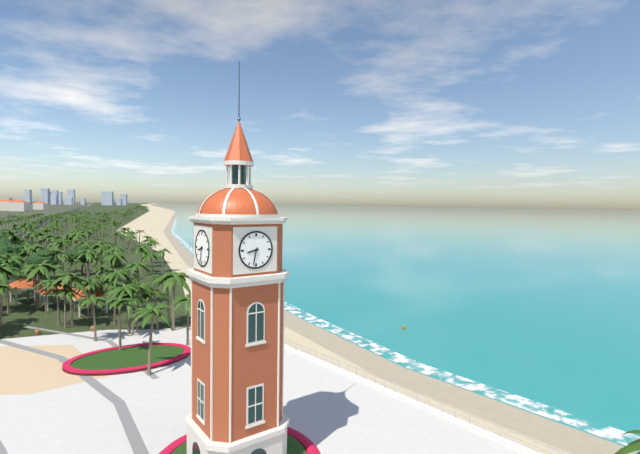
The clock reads 8h32
